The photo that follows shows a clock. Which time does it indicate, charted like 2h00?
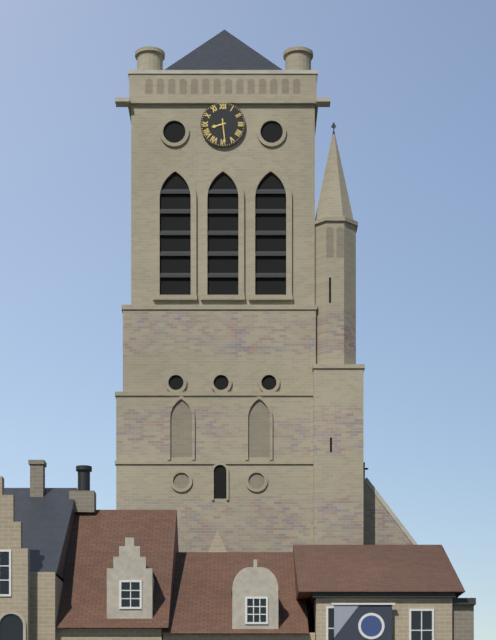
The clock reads 8h29
